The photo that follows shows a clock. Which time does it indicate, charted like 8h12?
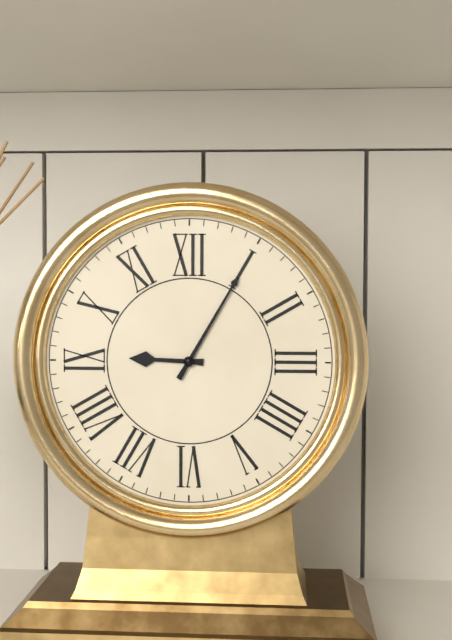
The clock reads 9h05
